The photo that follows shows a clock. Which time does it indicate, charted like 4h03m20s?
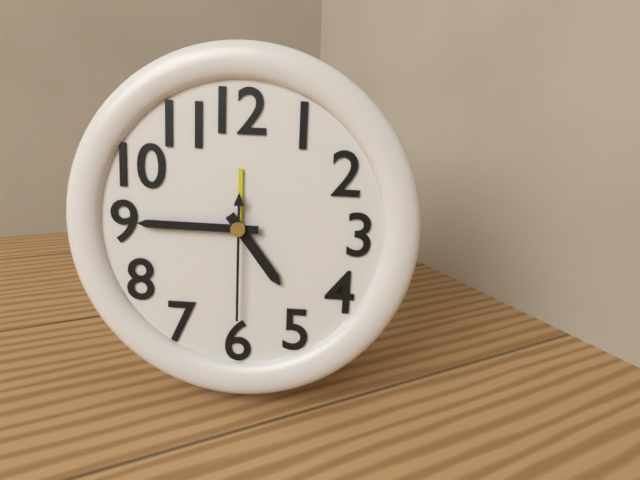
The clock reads 4h45m30s
